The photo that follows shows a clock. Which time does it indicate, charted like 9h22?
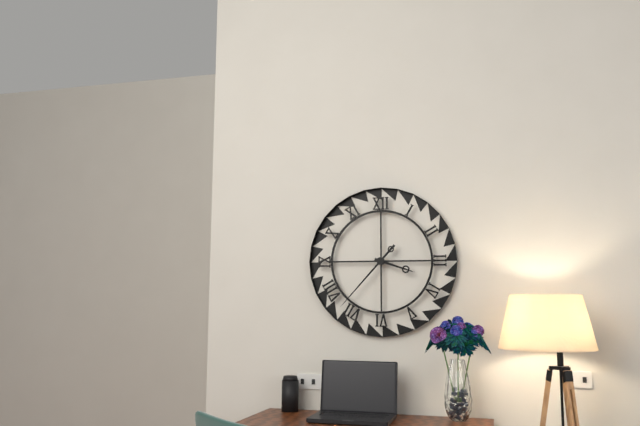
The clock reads 3h37
